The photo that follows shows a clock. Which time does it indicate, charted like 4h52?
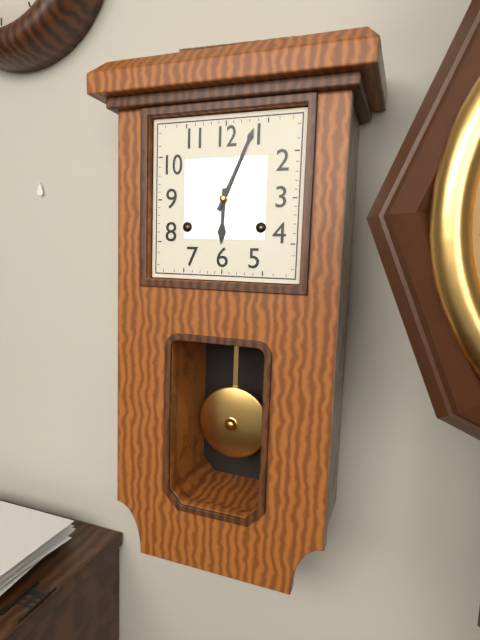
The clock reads 6h04
